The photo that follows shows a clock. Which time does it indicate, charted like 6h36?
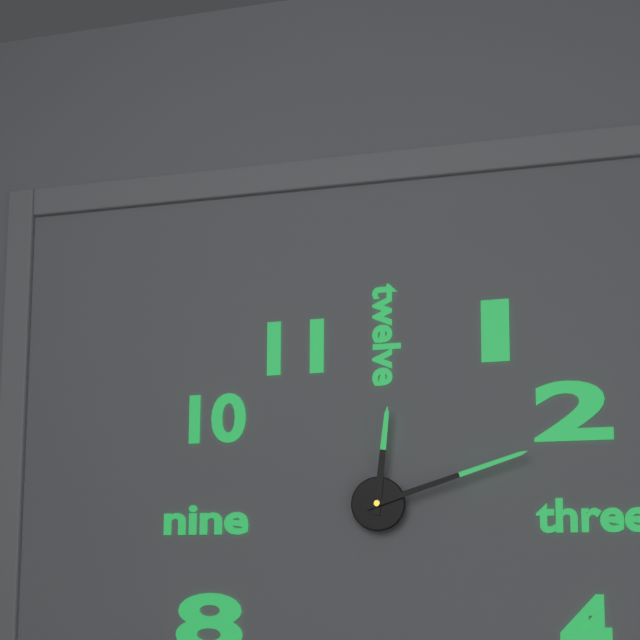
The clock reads 12h12
